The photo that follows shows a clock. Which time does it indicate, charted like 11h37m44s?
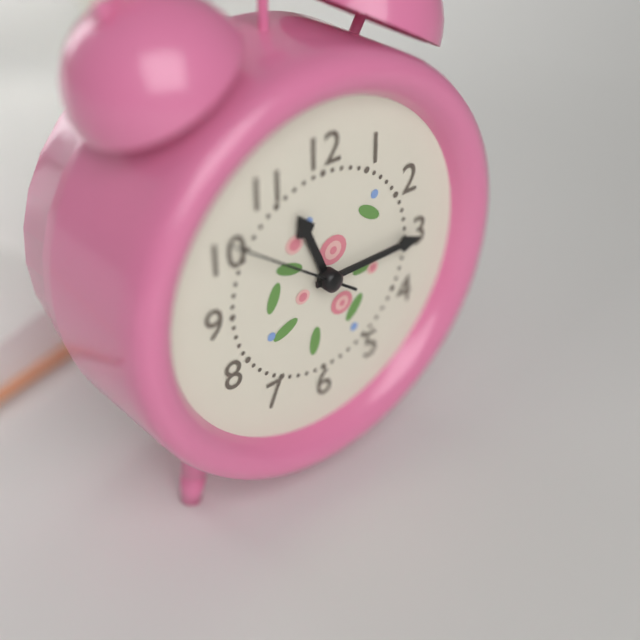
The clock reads 11h15m51s
